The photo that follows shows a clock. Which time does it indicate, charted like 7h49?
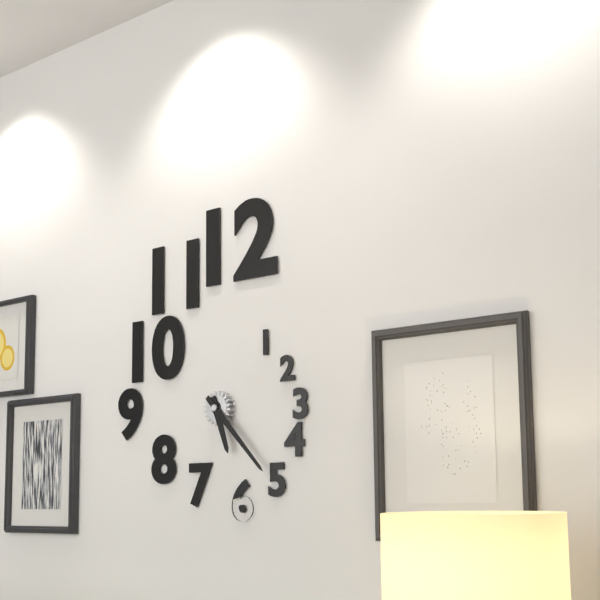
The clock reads 5h23
